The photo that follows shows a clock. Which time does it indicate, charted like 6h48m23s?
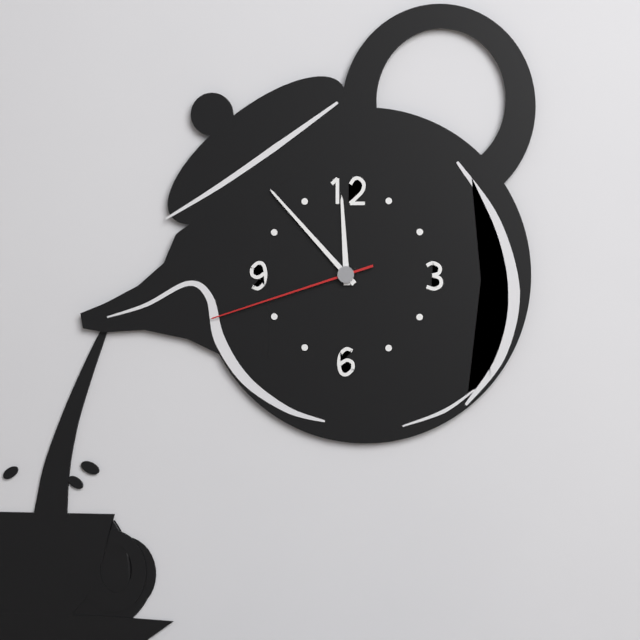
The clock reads 11h53m42s
